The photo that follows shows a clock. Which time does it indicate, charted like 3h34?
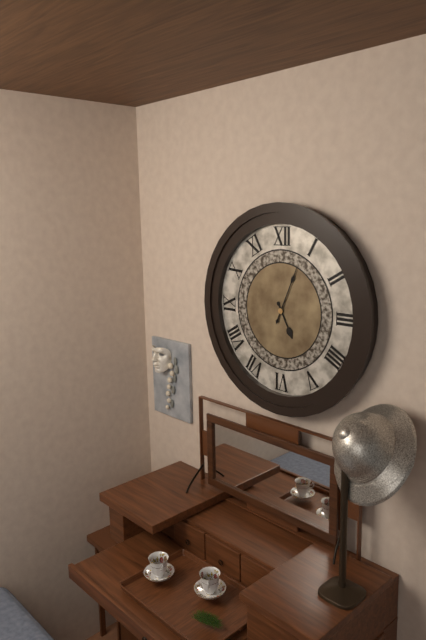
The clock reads 5h04
